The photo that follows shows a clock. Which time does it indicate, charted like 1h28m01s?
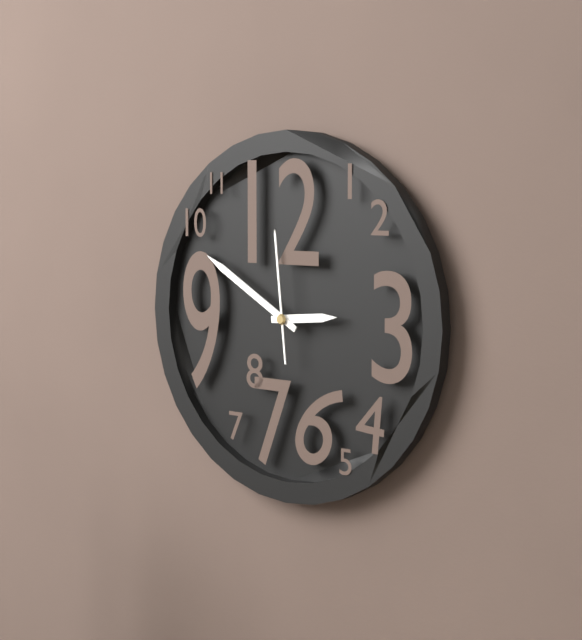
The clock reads 2h50m59s
